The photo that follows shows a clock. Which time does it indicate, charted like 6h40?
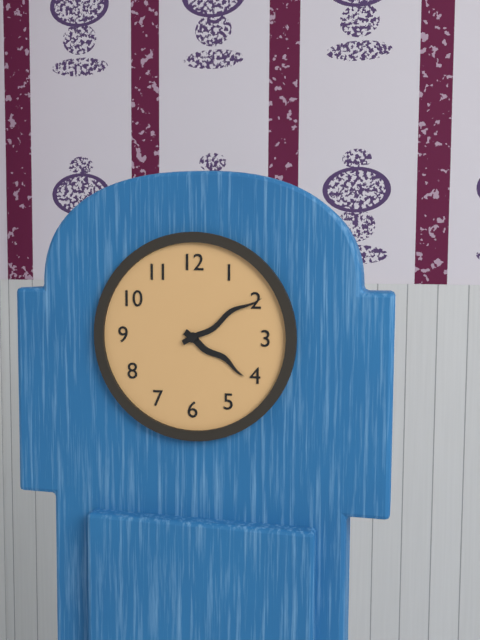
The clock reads 4h10
